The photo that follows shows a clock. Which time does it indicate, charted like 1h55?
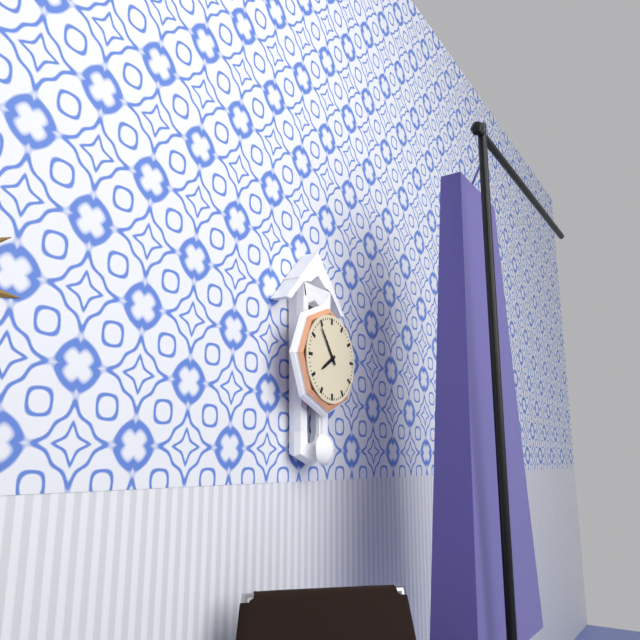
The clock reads 7h54
